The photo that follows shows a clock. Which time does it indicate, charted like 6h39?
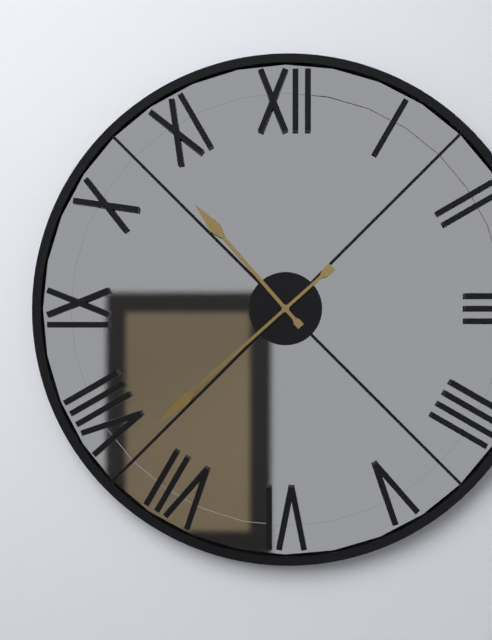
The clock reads 10h38
